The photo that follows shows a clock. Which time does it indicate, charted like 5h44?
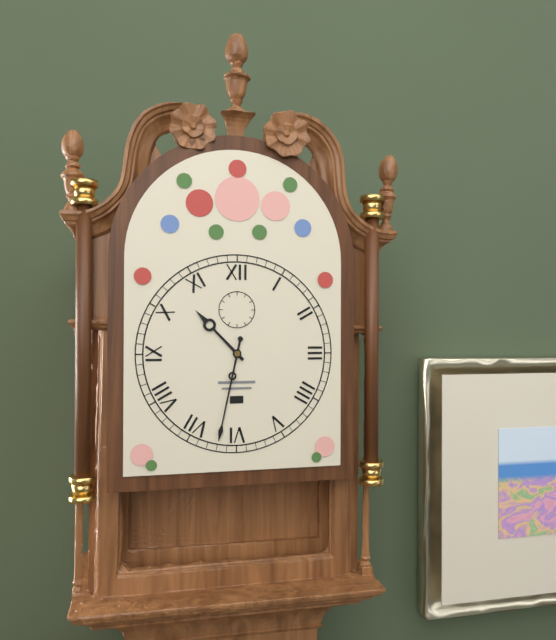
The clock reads 10h32
